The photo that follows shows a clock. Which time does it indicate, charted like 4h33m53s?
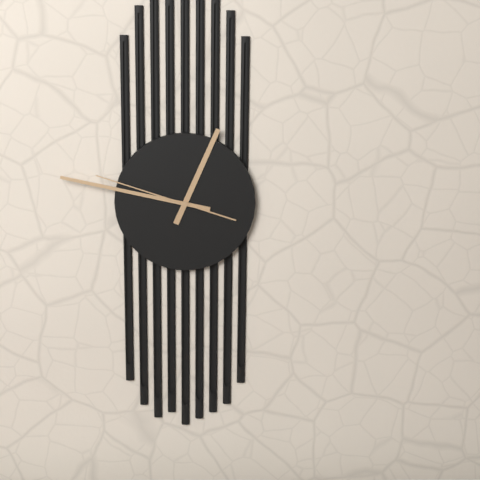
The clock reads 12h47m48s
